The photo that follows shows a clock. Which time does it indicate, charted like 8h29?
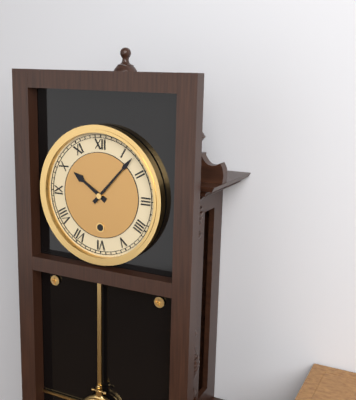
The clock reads 10h07
